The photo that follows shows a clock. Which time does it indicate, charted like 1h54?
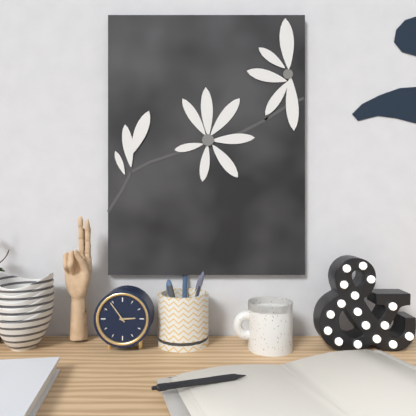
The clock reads 2h54
